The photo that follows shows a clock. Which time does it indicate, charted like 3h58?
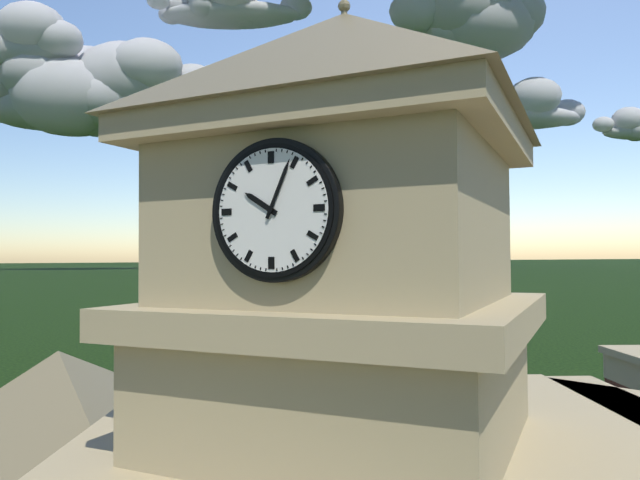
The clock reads 10h04
